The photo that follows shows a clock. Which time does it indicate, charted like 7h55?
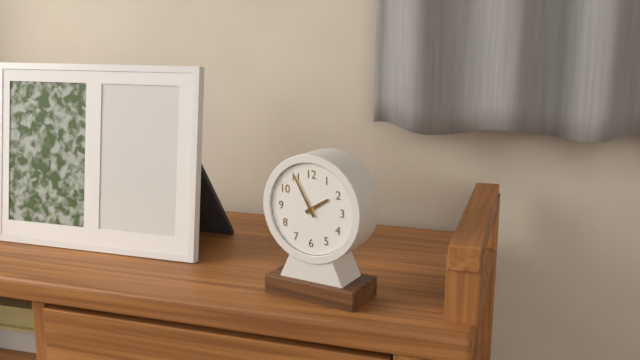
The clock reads 1h55
